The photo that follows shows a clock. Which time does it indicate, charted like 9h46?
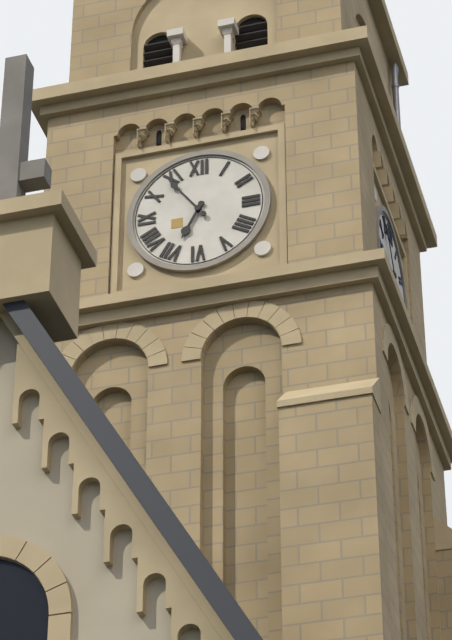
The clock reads 6h54
